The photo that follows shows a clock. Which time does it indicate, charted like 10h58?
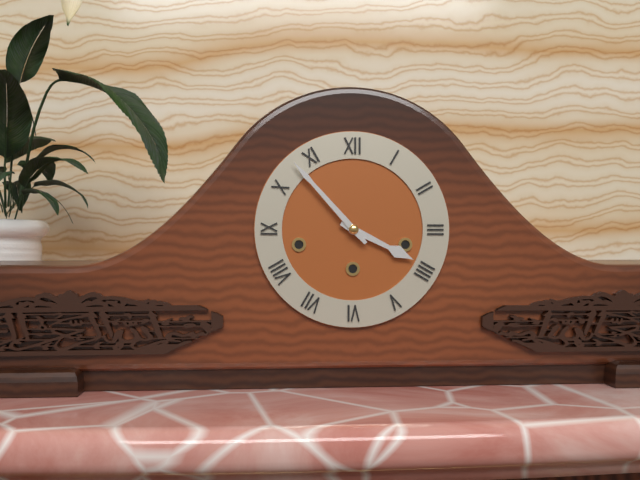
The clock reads 3h53
